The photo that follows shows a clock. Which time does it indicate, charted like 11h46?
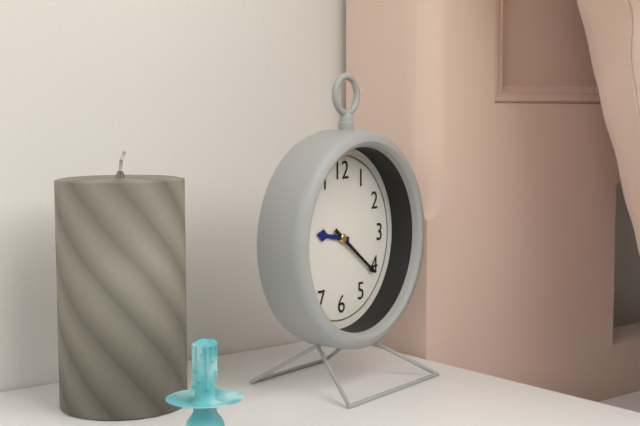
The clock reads 9h21
